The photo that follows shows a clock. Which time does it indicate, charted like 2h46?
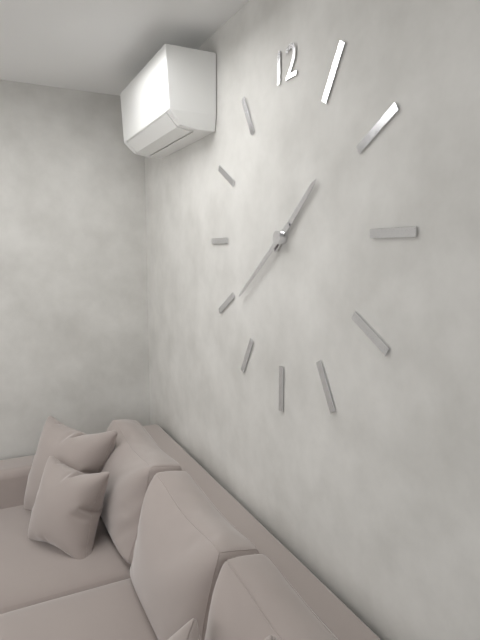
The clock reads 1h39
